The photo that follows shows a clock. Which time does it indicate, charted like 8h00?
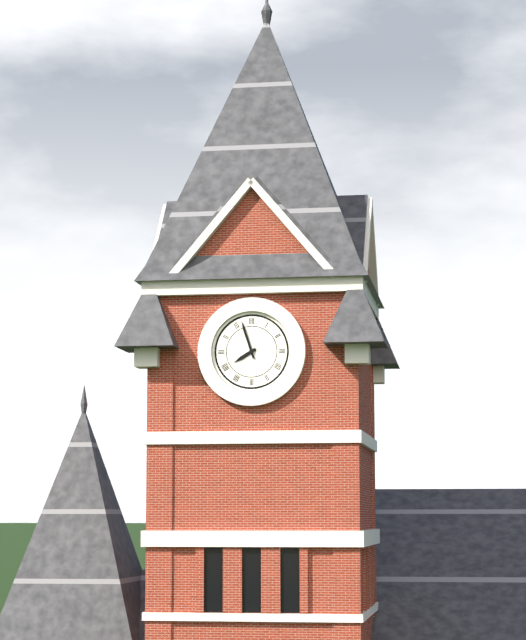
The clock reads 7h57
